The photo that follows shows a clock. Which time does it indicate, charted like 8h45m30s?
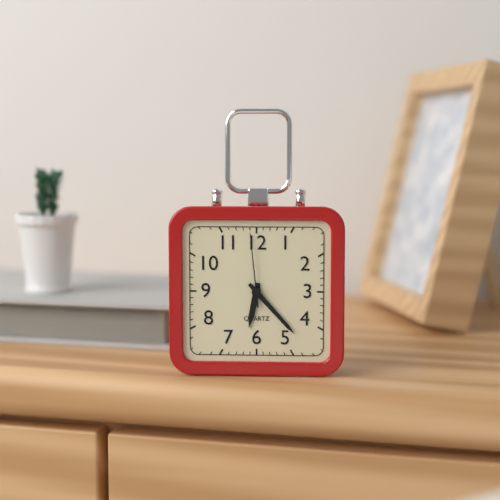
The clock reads 6h23m59s
